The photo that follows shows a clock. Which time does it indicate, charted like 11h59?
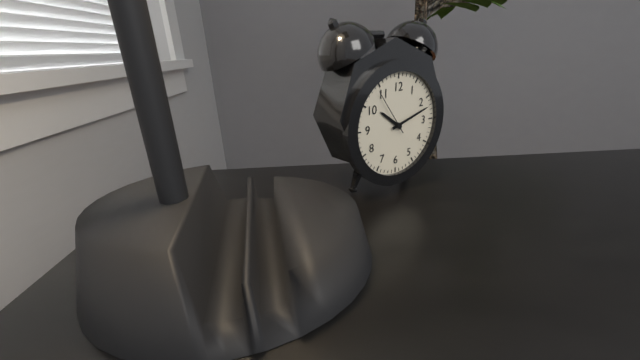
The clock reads 10h12
